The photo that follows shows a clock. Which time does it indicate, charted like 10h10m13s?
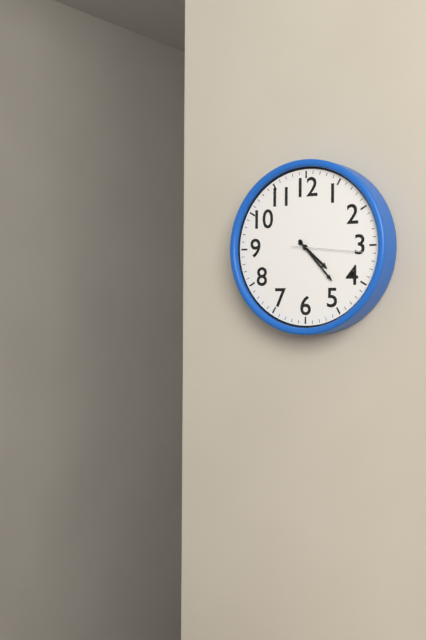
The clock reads 4h23m16s
